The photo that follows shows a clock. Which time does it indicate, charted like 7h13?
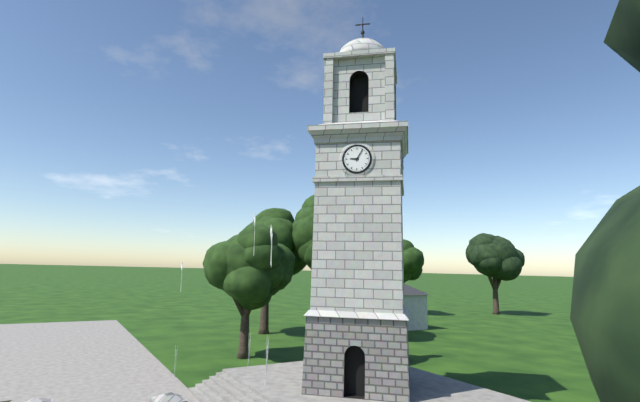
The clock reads 9h05
